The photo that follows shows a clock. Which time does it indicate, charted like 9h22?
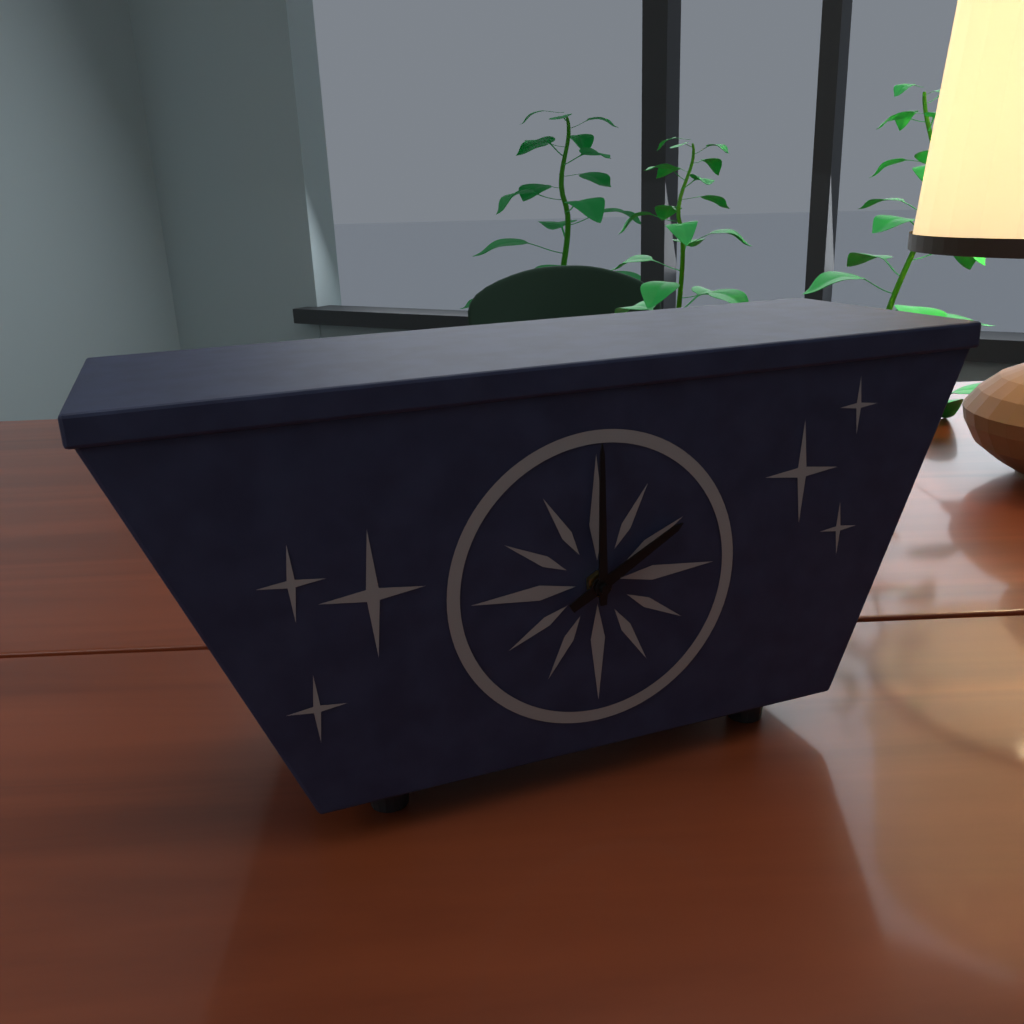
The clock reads 2h00
